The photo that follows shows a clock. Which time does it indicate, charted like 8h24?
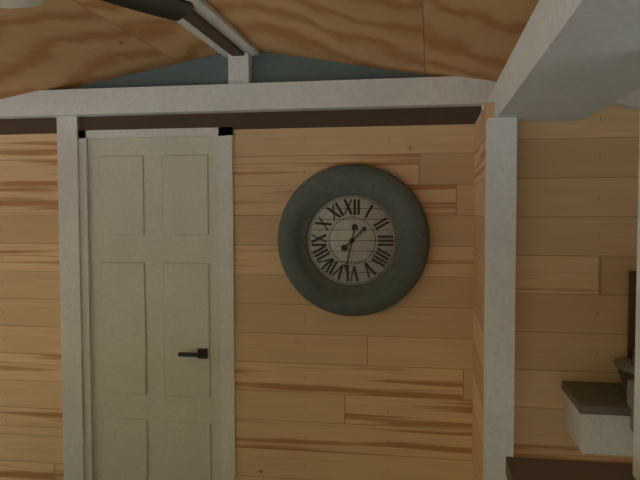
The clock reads 1h32
